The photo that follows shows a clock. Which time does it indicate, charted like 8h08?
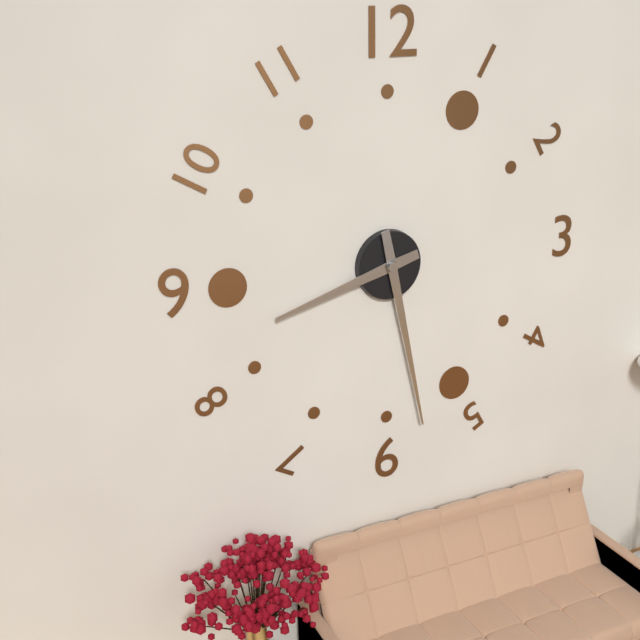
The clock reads 8h28
